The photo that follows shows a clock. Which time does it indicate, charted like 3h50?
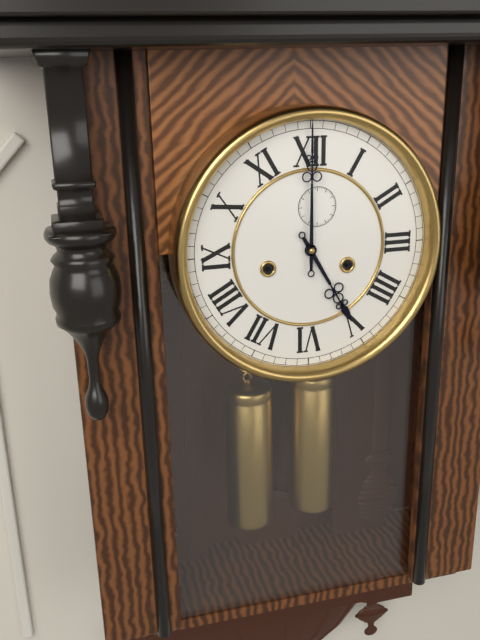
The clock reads 5h00
